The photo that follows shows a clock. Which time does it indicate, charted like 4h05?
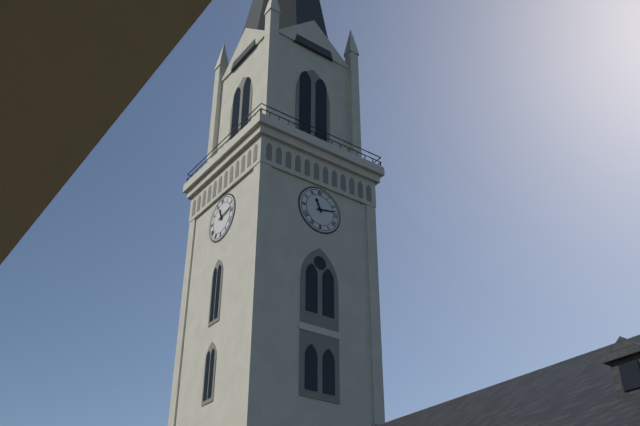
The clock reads 11h13
